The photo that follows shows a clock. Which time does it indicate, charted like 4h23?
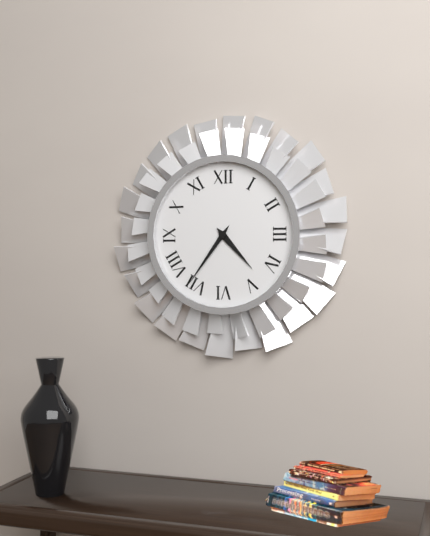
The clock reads 4h36
